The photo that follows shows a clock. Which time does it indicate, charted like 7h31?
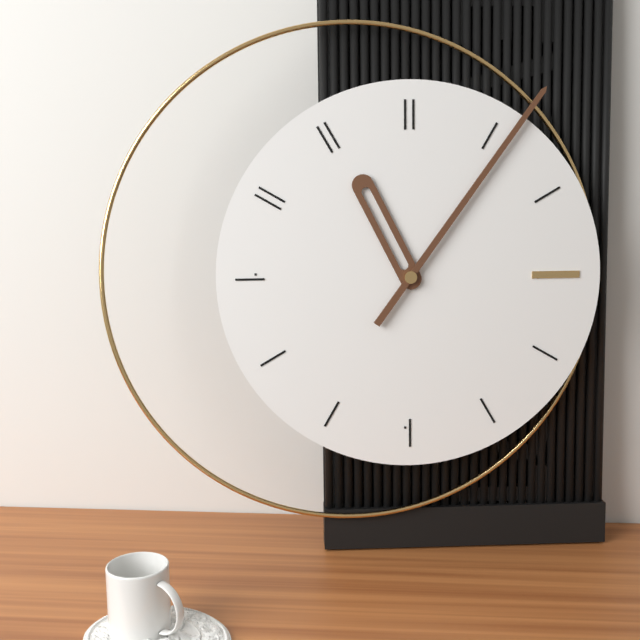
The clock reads 11h06
